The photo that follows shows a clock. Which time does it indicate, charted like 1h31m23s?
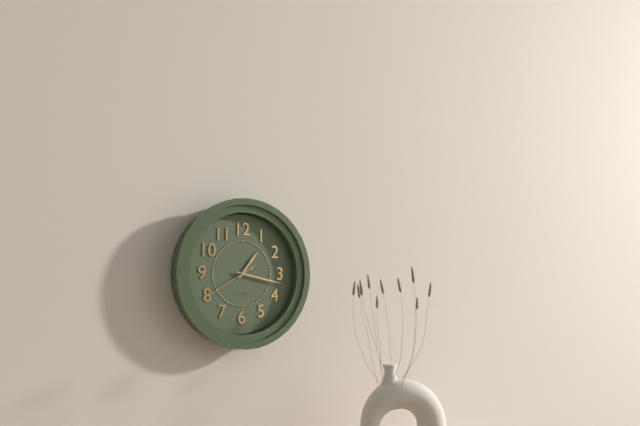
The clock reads 1h17m40s
